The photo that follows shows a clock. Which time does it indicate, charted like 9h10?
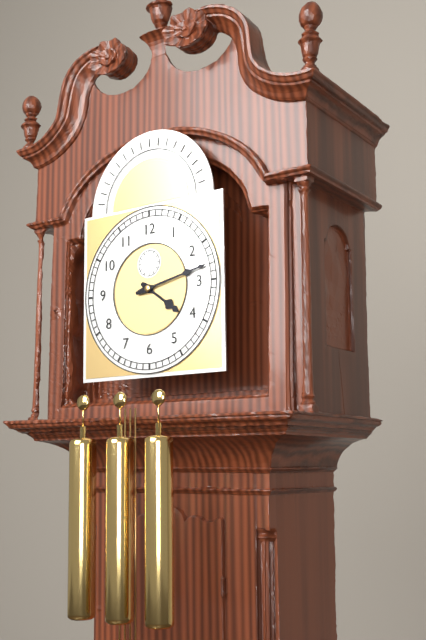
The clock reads 4h13
